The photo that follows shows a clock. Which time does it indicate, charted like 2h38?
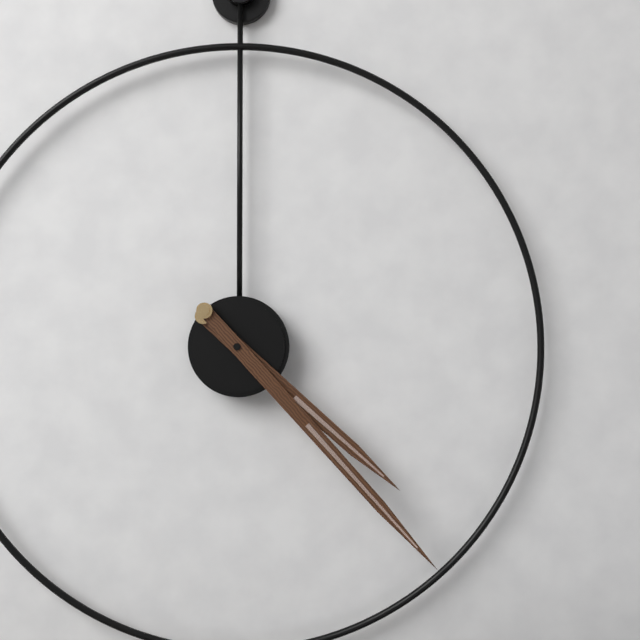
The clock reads 4h23
